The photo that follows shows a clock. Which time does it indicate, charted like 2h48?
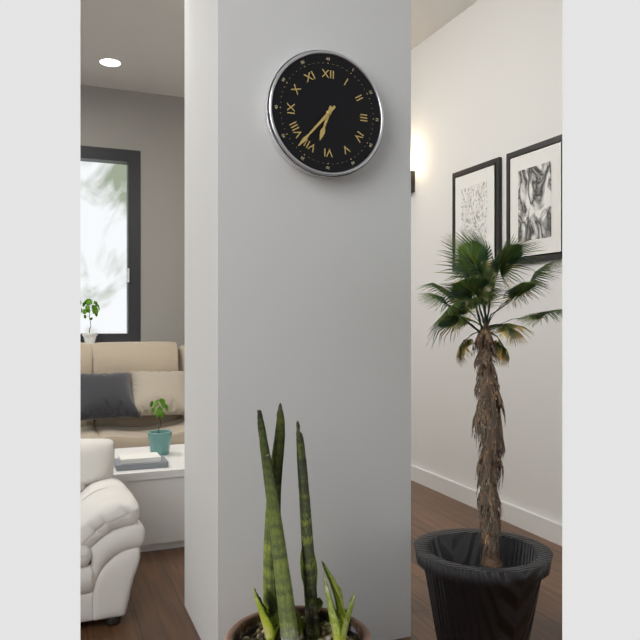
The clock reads 6h37
